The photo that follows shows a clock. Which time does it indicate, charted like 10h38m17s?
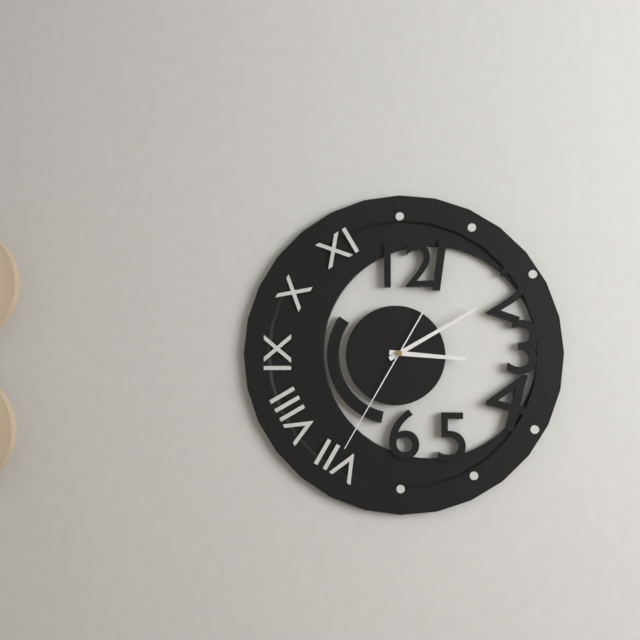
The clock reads 3h10m35s
